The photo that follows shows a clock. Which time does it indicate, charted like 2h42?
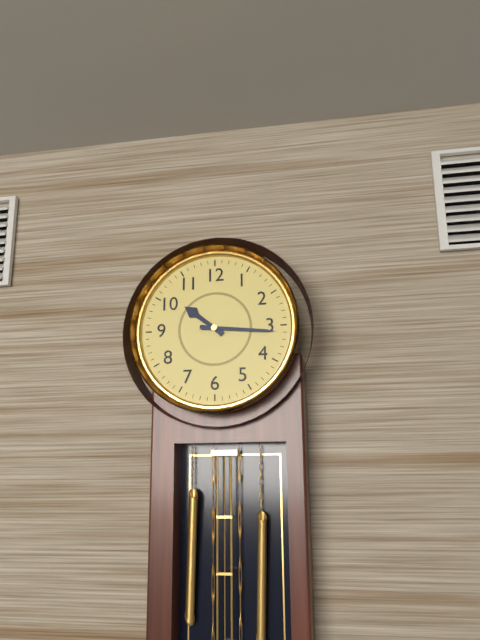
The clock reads 10h16
